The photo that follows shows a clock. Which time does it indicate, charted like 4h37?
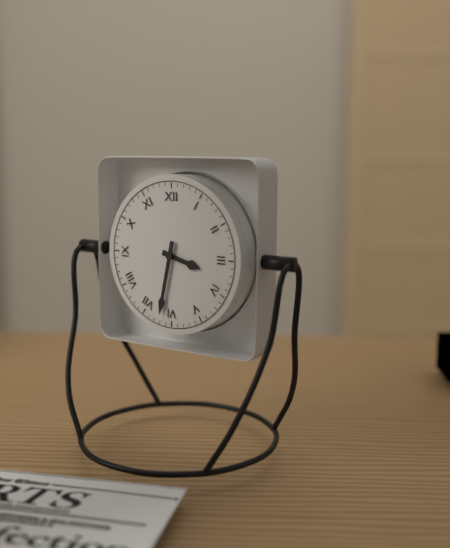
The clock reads 3h32
